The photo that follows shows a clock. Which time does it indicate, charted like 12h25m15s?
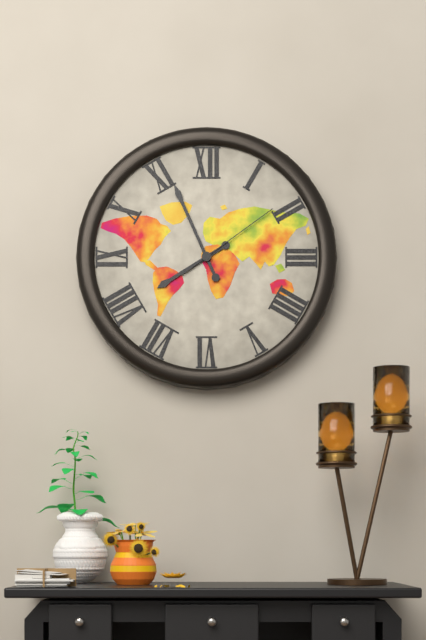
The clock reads 7h56m09s
